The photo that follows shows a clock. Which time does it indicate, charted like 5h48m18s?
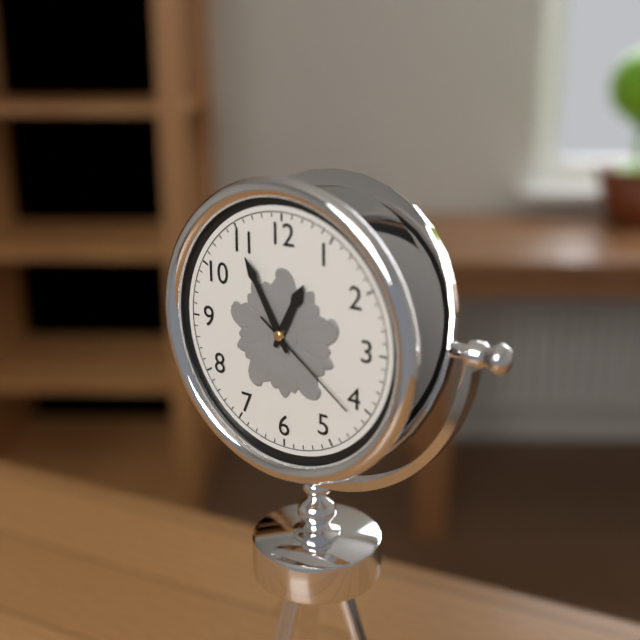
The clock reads 12h55m21s
